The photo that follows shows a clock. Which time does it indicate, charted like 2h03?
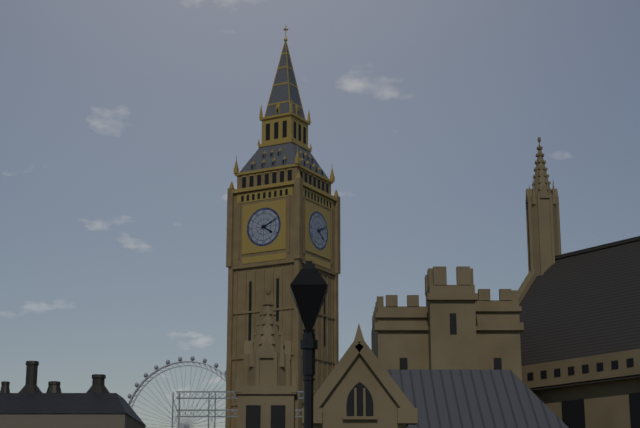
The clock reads 4h11
